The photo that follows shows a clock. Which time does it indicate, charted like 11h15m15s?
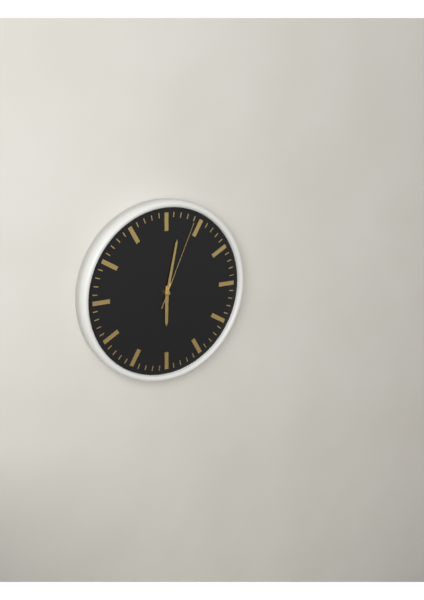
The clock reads 6h02m04s
